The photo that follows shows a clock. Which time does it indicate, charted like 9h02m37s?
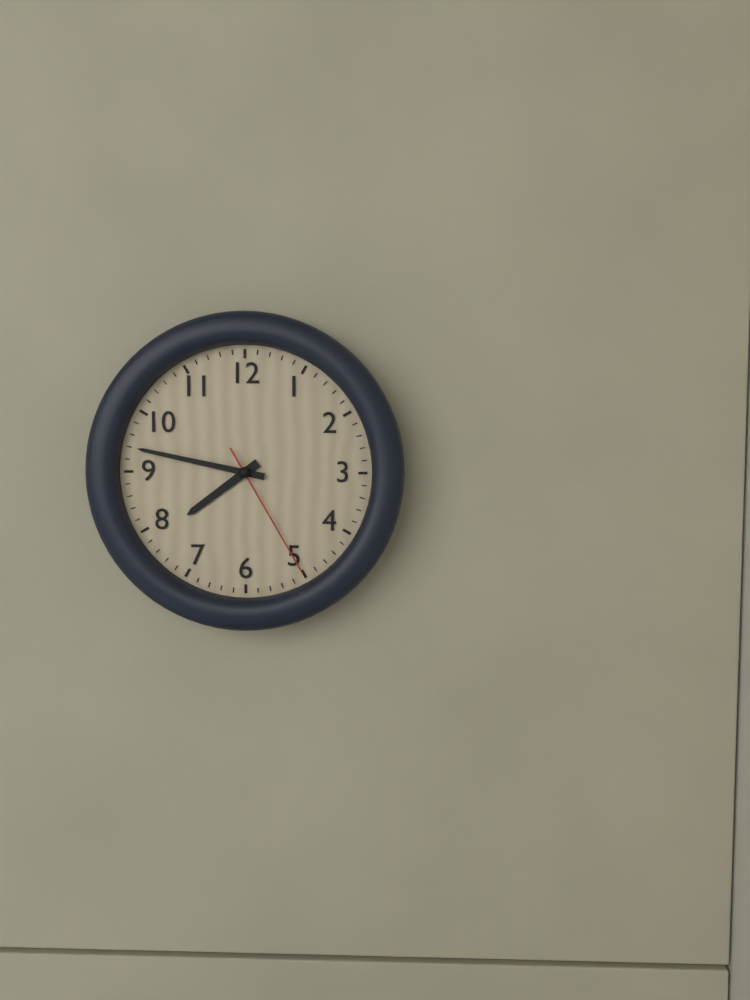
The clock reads 7h47m25s
